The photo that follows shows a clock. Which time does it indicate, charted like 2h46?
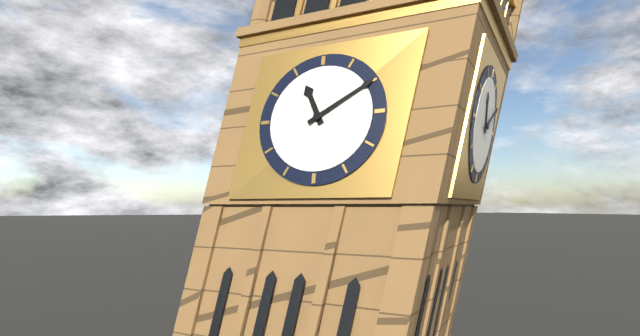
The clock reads 11h10
